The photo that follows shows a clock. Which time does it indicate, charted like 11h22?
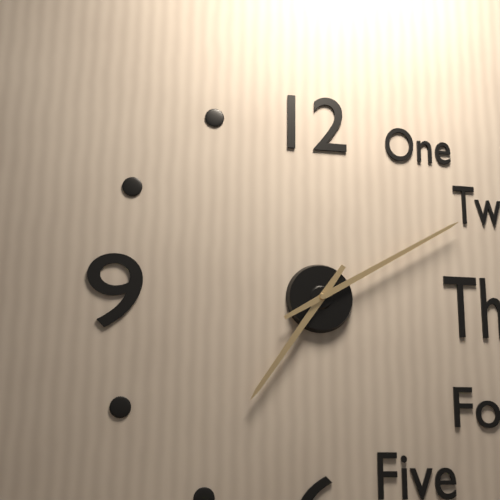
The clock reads 7h10
